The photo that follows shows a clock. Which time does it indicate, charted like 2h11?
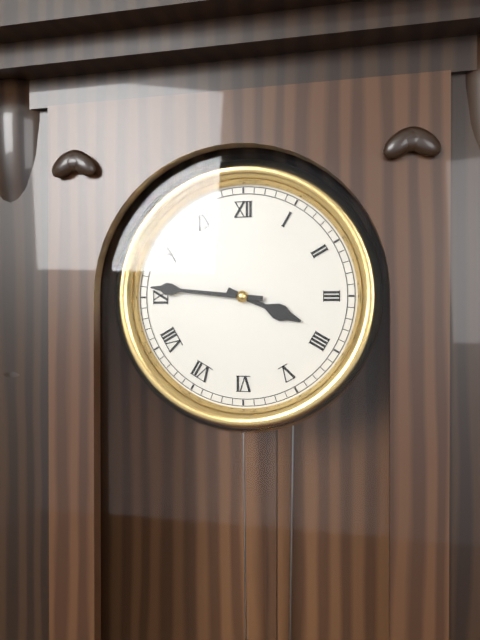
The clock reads 3h46
